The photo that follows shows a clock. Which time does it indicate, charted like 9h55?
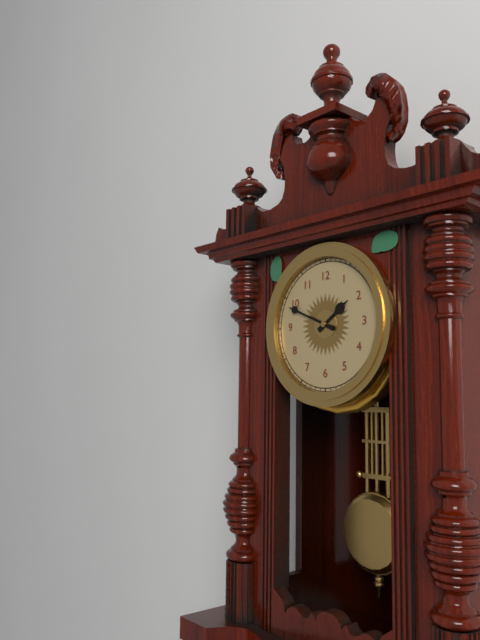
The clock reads 1h49
